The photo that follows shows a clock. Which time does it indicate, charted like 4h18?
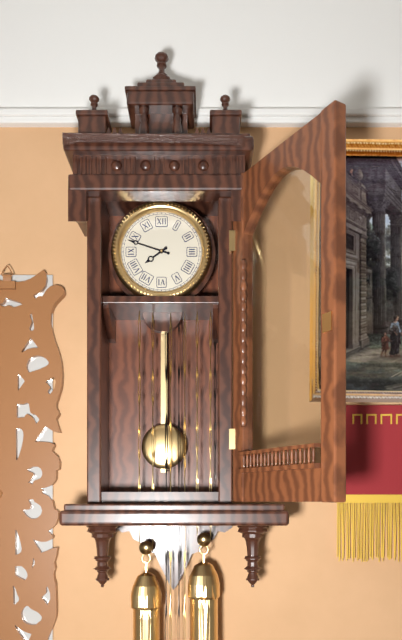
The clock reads 7h48
